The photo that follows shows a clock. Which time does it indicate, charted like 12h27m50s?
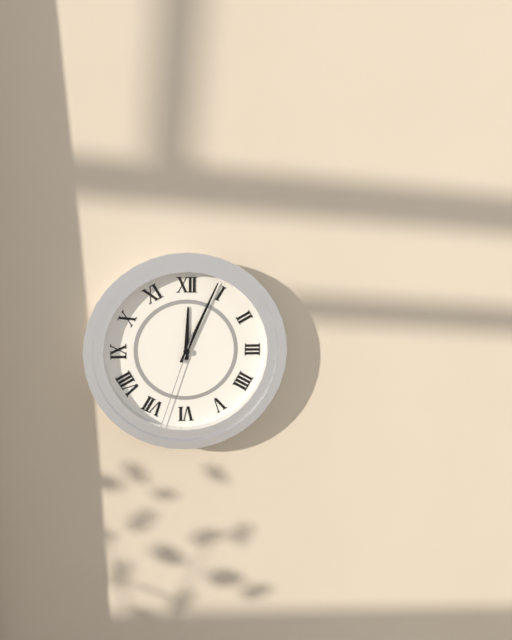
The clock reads 12h04m33s
